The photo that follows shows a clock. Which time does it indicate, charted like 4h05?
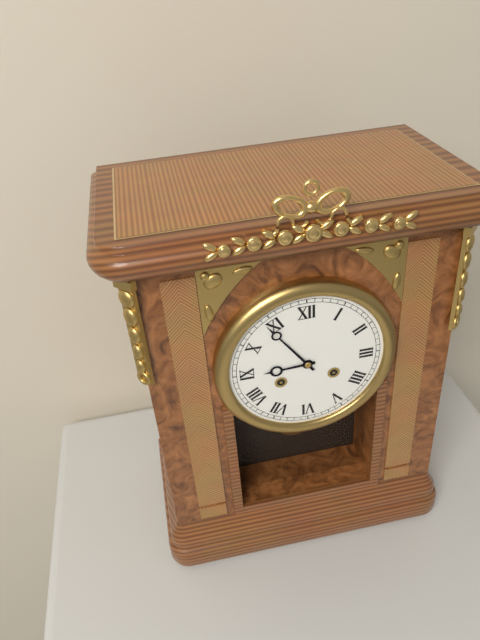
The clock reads 8h54
